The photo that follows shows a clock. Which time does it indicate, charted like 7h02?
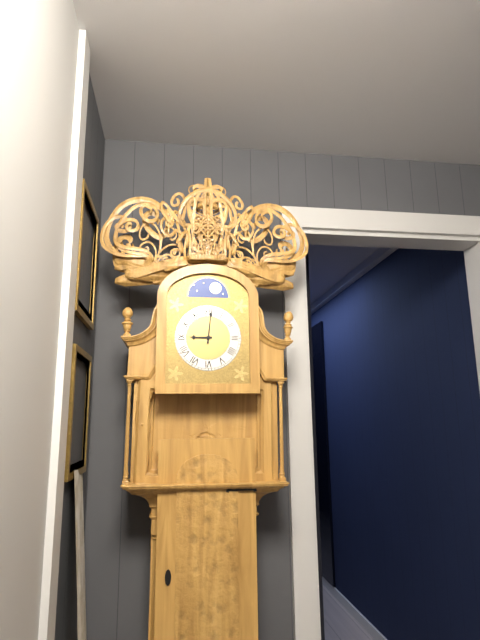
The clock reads 9h01
